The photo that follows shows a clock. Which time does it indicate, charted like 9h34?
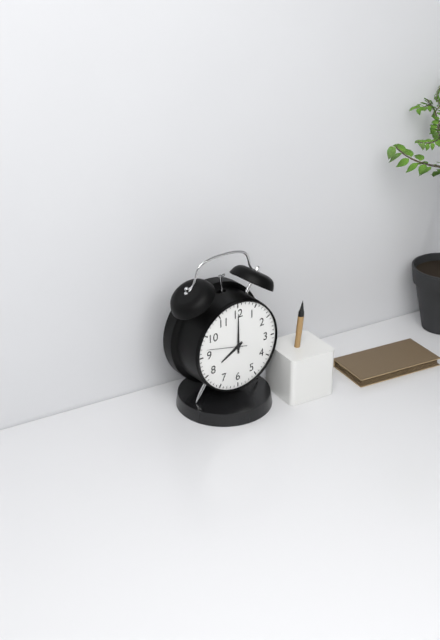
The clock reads 8h00
